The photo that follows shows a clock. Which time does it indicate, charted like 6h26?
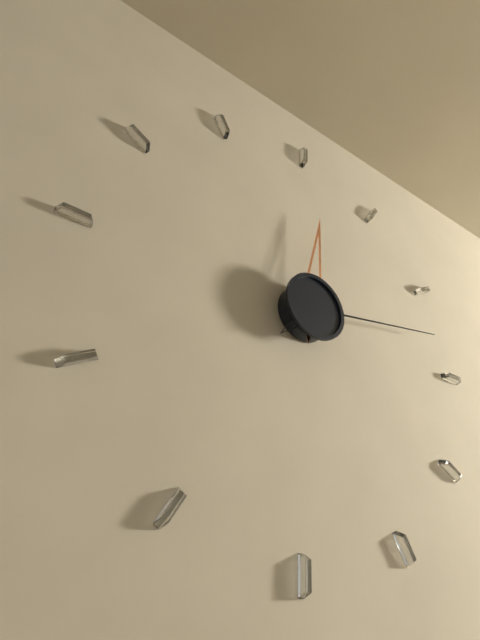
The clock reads 12h13
